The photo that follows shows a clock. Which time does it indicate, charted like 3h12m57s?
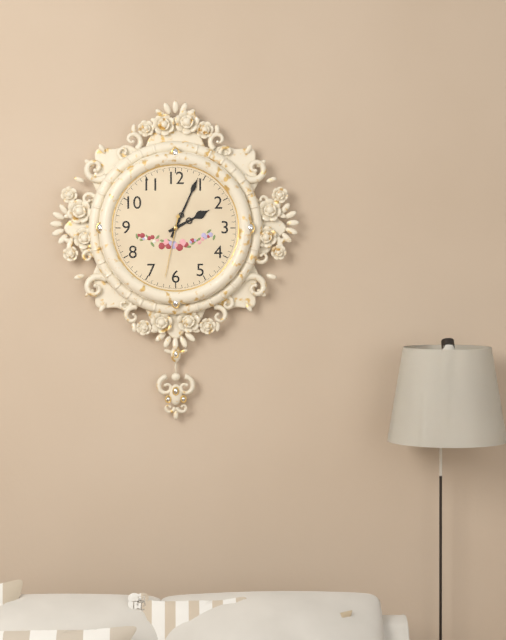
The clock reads 2h04m32s
